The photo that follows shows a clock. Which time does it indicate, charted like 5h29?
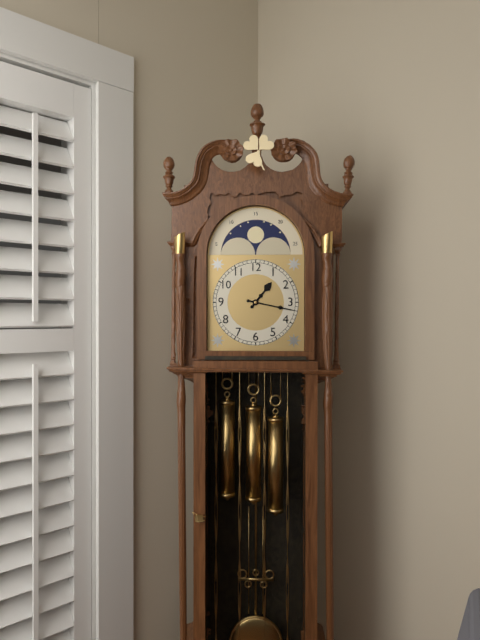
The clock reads 1h17
